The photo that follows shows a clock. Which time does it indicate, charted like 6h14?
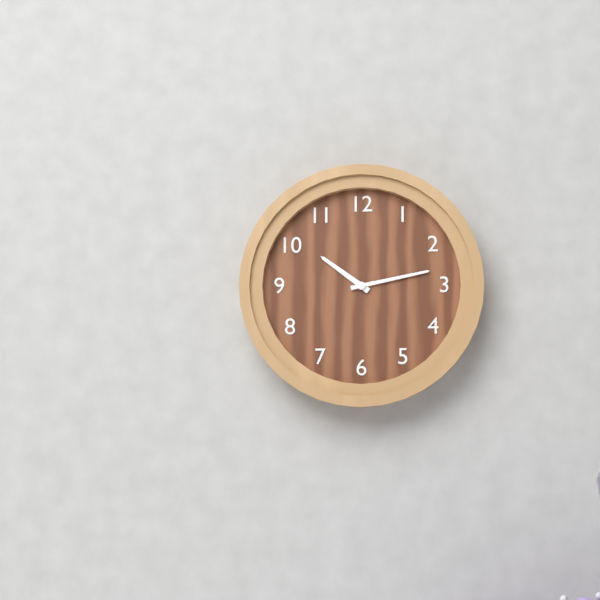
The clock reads 10h13
